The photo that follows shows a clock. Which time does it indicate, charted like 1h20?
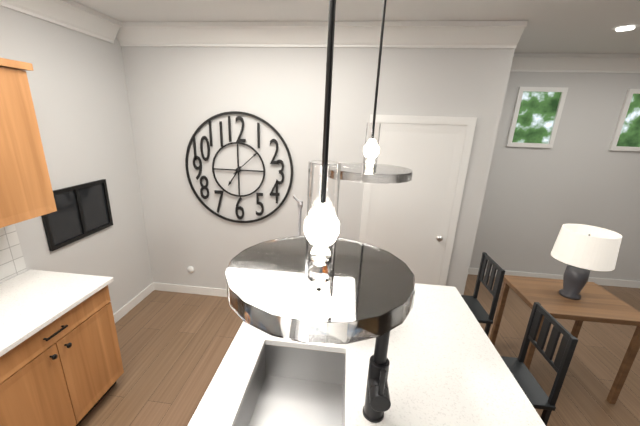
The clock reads 7h08
